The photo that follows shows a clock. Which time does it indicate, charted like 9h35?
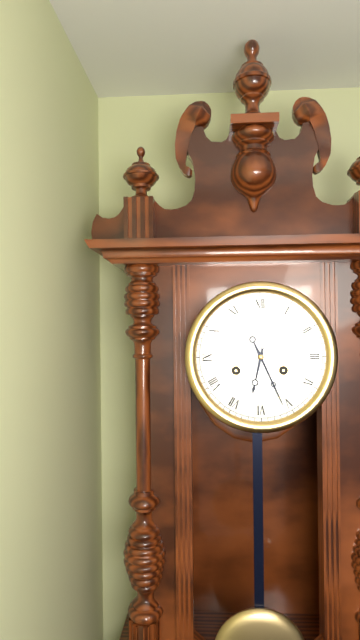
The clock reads 6h26
